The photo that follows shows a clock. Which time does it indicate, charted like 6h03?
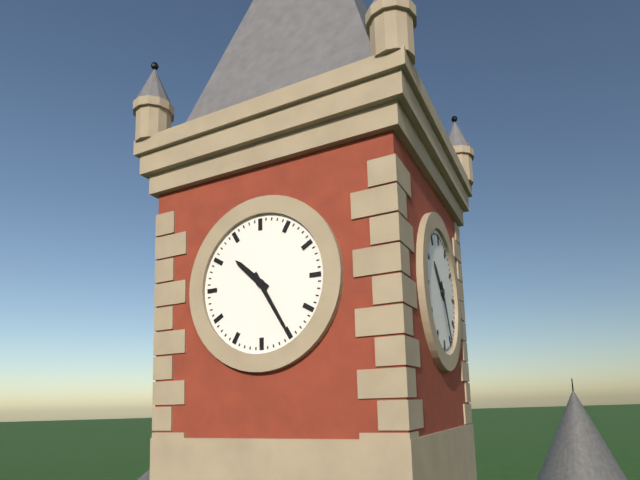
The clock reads 10h25
